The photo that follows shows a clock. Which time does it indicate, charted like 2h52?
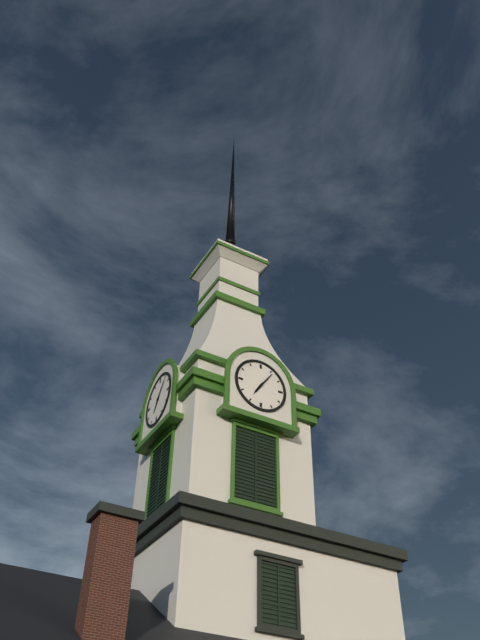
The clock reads 7h06
